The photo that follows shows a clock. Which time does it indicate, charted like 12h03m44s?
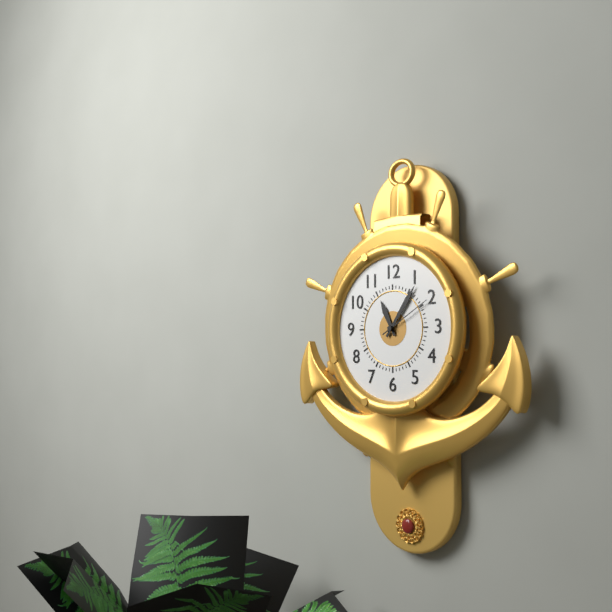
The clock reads 11h06m10s
